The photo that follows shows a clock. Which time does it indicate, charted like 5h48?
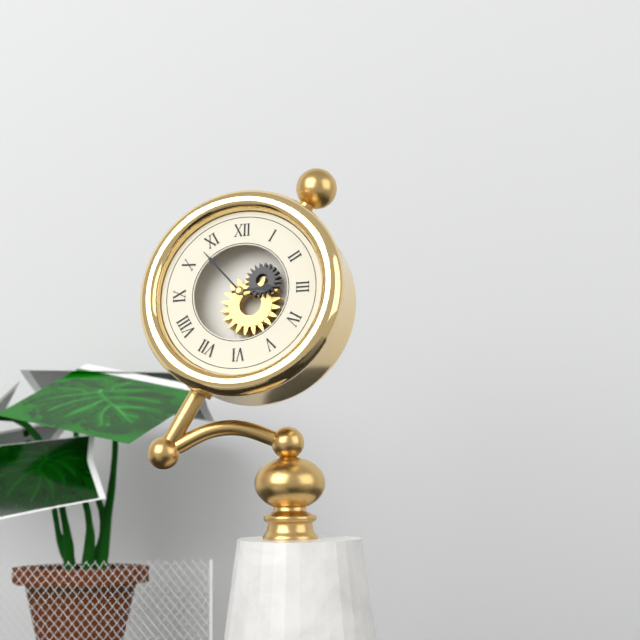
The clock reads 2h53
